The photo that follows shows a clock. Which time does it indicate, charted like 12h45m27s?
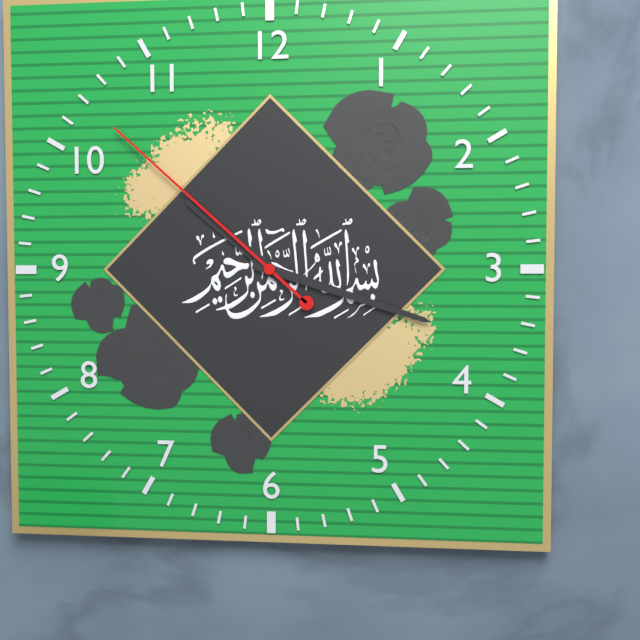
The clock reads 10h18m52s
